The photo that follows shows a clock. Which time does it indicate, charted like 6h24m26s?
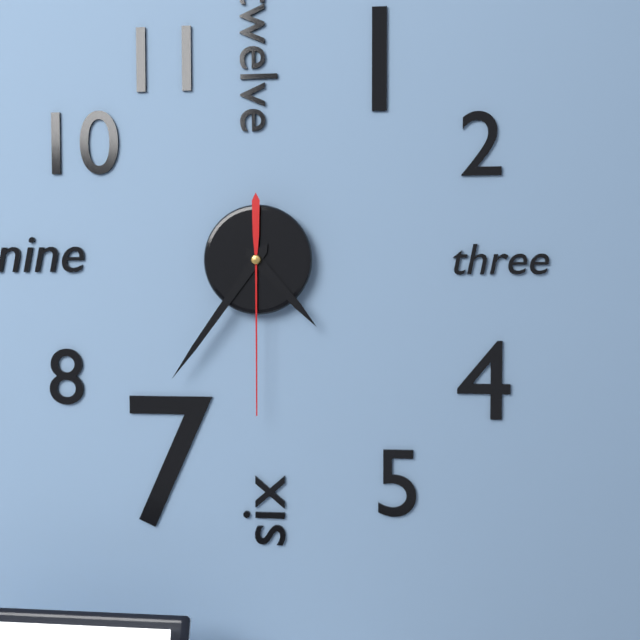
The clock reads 4h36m30s
